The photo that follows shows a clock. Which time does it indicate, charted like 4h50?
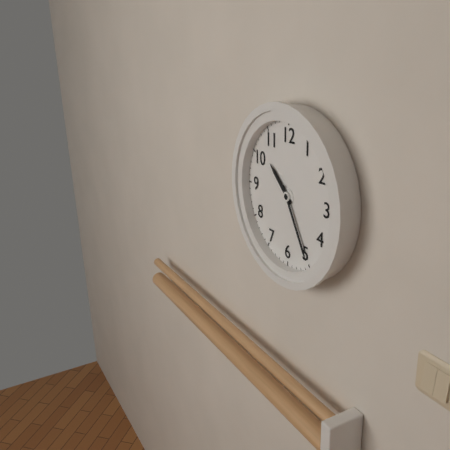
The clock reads 10h25
